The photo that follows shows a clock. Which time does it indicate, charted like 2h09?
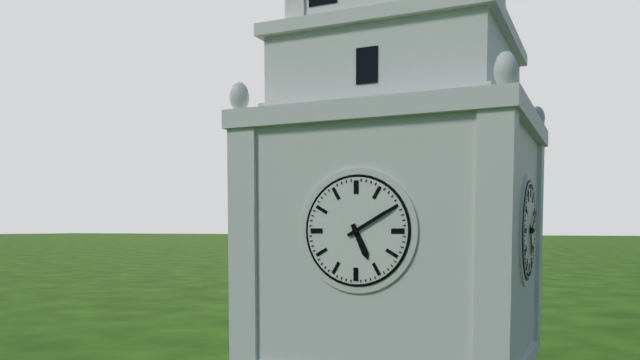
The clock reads 5h10
